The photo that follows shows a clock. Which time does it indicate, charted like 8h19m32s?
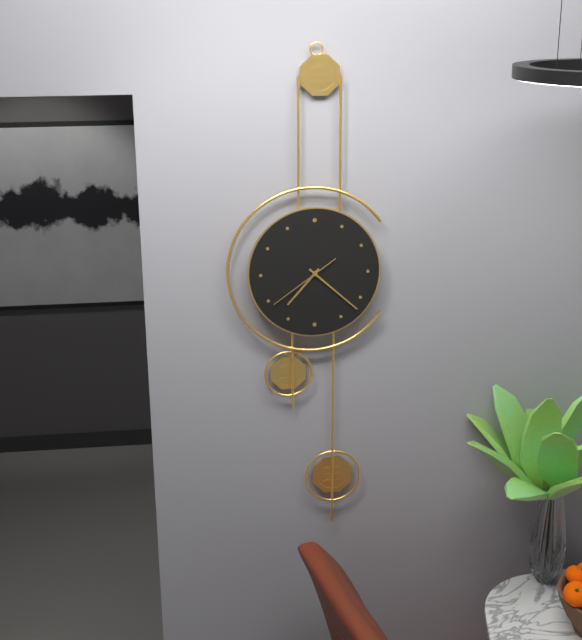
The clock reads 7h22m39s
